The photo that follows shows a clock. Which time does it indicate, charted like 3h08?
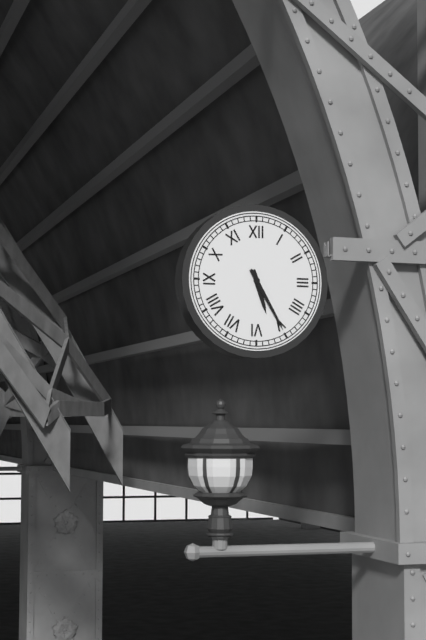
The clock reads 5h25
